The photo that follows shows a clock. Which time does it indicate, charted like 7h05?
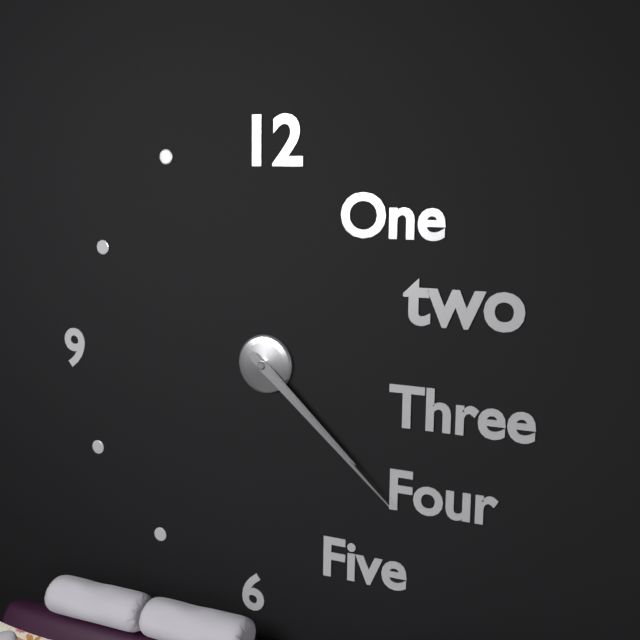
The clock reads 4h22
